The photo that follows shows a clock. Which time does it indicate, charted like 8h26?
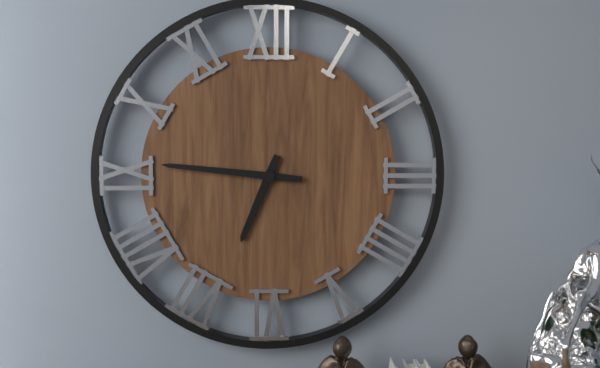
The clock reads 6h46
